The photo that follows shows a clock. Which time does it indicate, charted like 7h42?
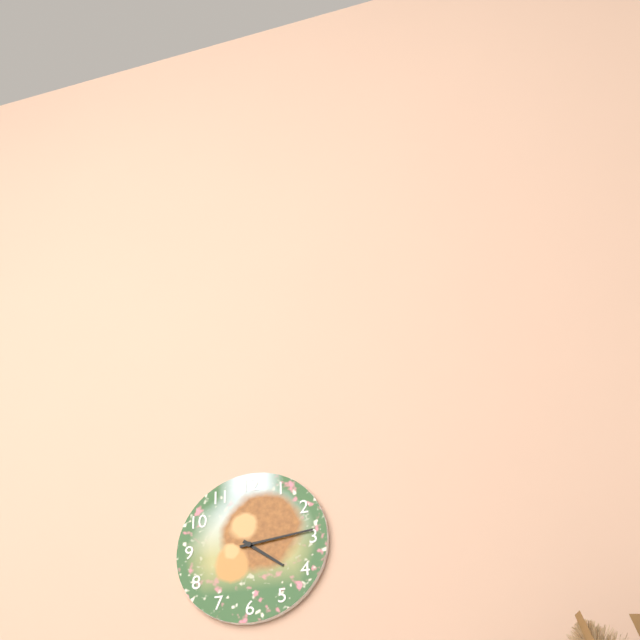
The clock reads 4h14
